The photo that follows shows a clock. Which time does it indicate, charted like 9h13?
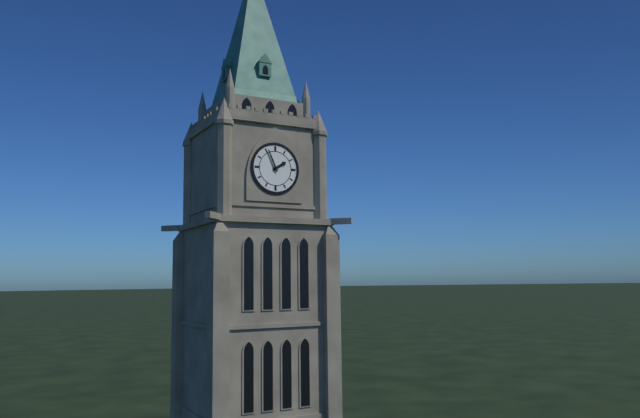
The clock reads 1h56
